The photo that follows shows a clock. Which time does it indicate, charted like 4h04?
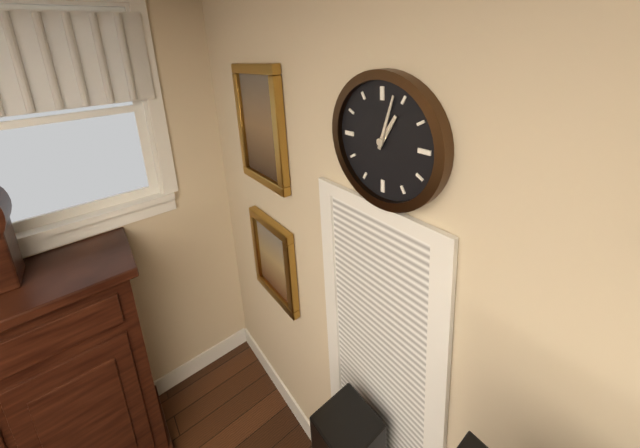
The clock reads 1h03
